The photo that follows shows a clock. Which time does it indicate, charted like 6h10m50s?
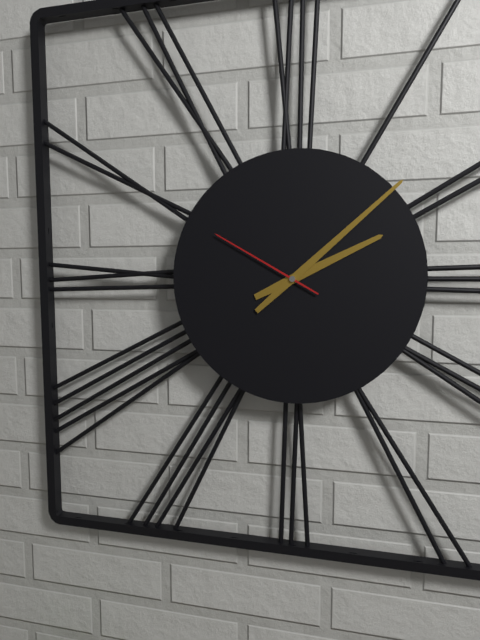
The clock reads 2h08m50s
